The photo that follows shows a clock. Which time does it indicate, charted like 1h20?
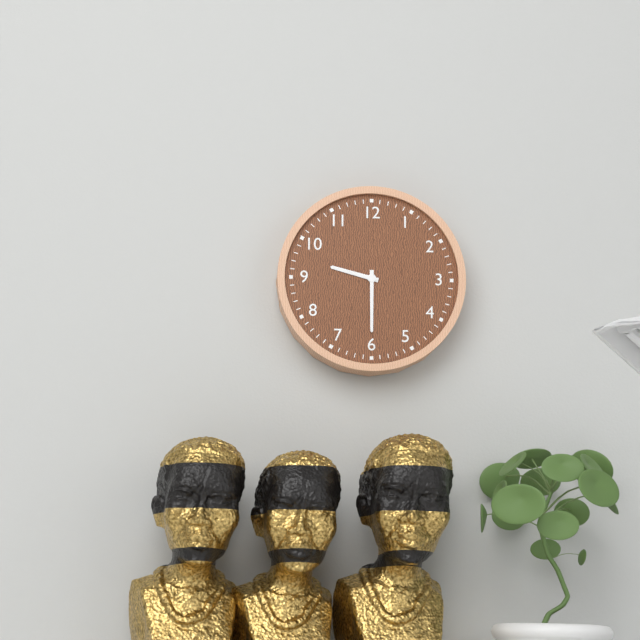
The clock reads 9h30
